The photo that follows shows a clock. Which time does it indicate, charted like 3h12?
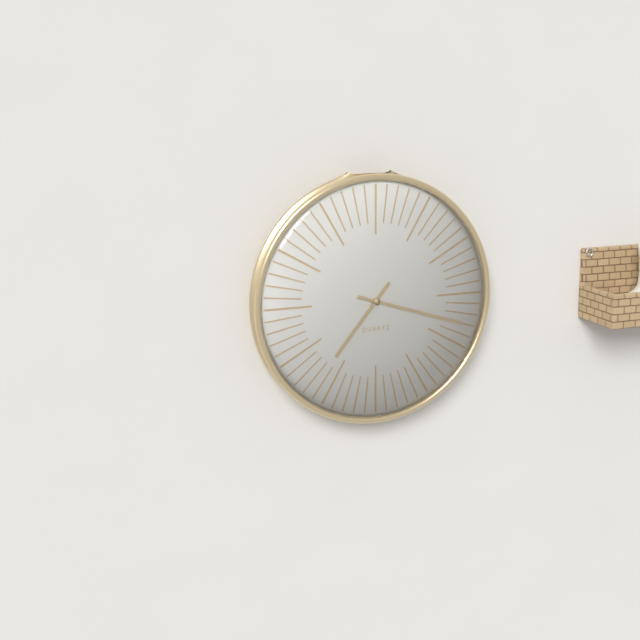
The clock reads 7h18
